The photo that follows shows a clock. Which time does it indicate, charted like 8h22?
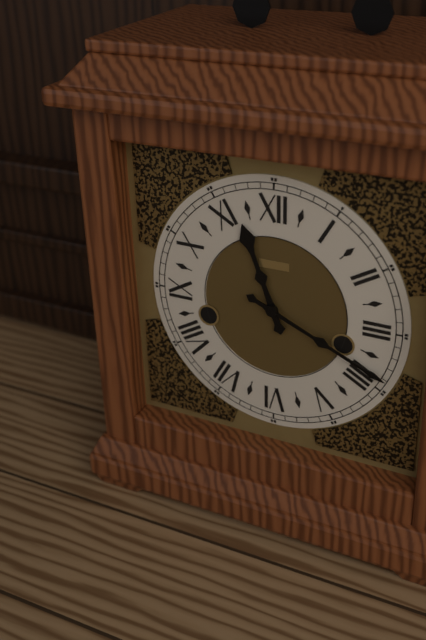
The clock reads 11h19
